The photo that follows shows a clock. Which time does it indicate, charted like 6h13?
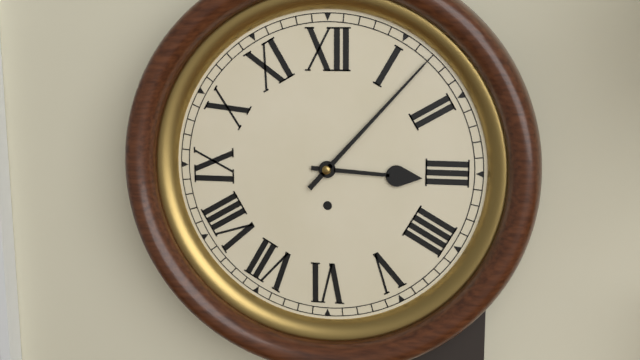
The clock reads 3h07
